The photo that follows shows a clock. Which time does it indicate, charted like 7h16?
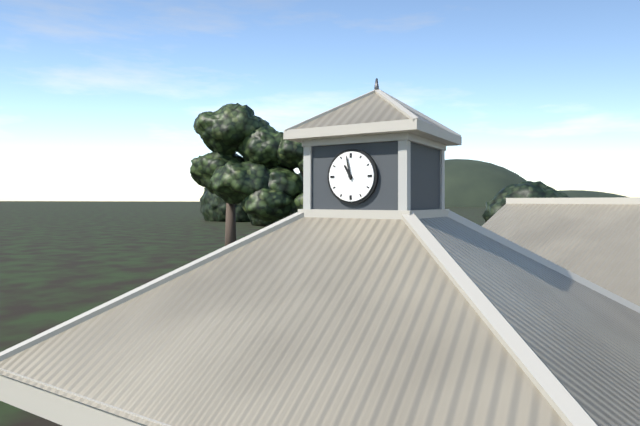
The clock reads 10h58
